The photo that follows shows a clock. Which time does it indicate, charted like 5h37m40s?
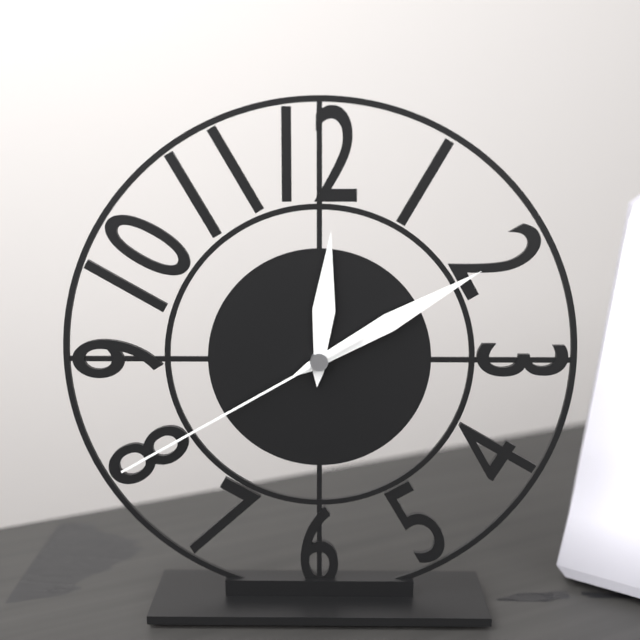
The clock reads 12h10m40s
